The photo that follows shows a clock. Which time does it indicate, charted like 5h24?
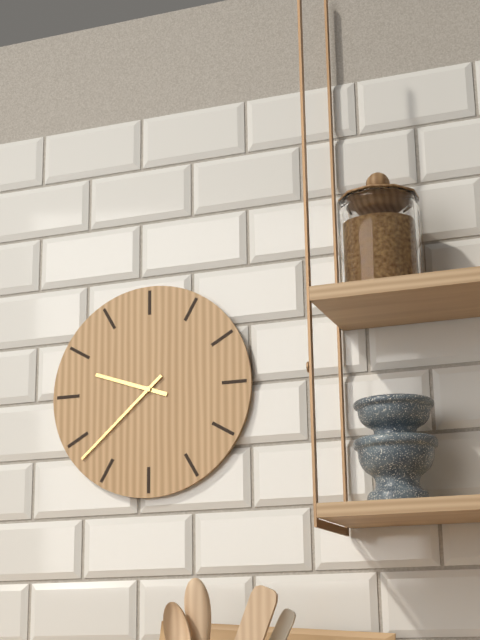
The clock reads 9h38
